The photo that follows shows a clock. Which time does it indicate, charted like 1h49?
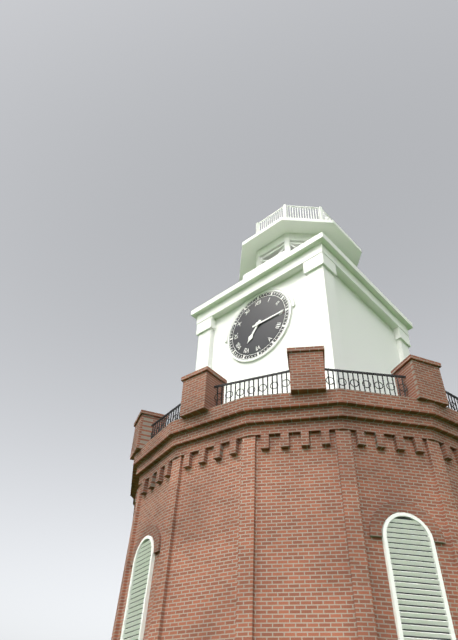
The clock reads 7h15
